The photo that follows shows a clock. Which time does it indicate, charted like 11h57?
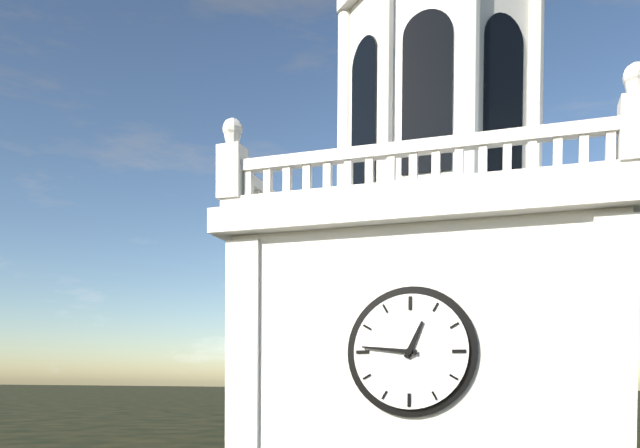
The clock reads 12h46
